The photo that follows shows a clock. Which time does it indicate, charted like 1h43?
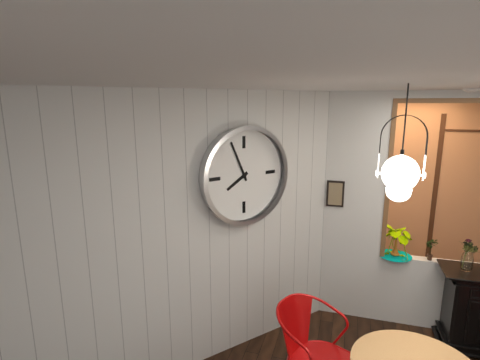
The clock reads 7h56
